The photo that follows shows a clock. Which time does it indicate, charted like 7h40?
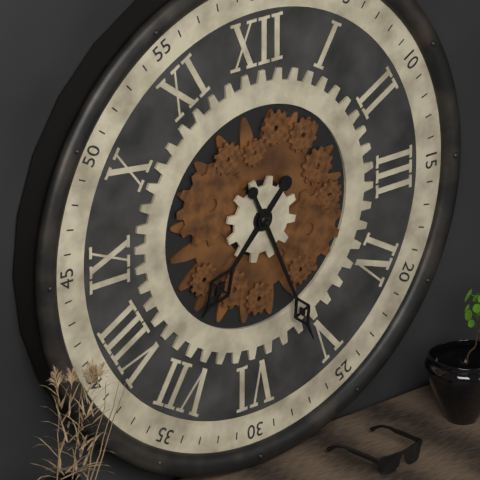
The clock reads 7h26
